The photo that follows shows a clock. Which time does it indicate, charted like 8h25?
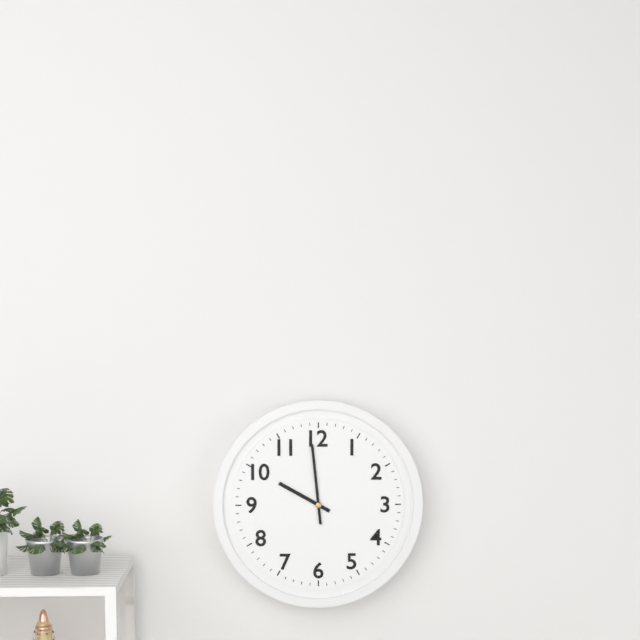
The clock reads 9h59
